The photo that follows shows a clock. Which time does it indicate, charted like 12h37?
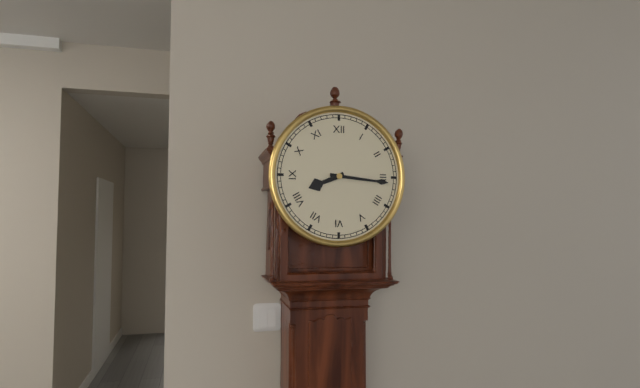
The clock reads 8h16
